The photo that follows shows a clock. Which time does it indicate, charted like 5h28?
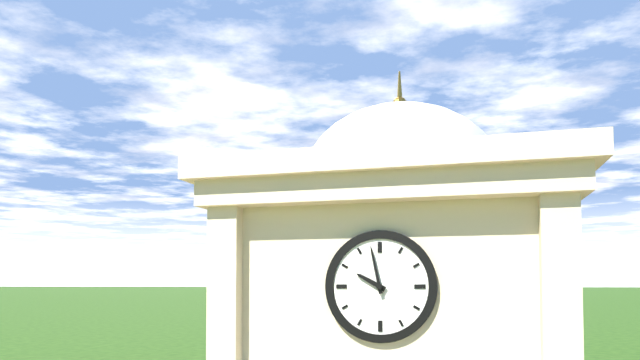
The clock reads 9h58
